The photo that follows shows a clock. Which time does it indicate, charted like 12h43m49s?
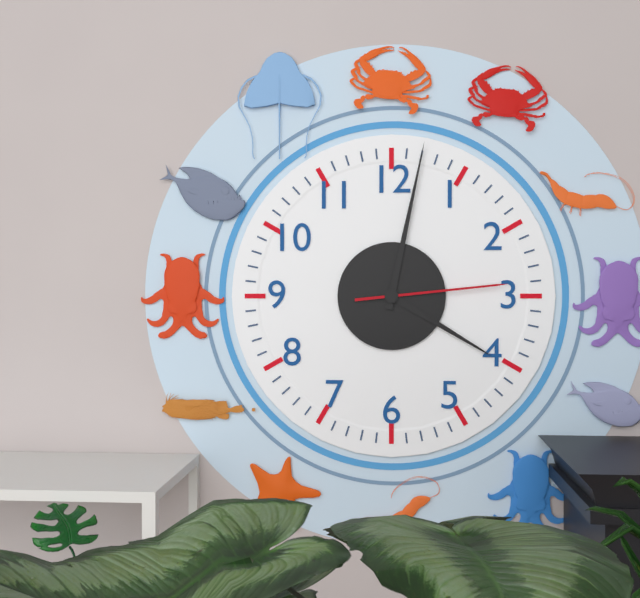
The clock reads 4h02m14s
